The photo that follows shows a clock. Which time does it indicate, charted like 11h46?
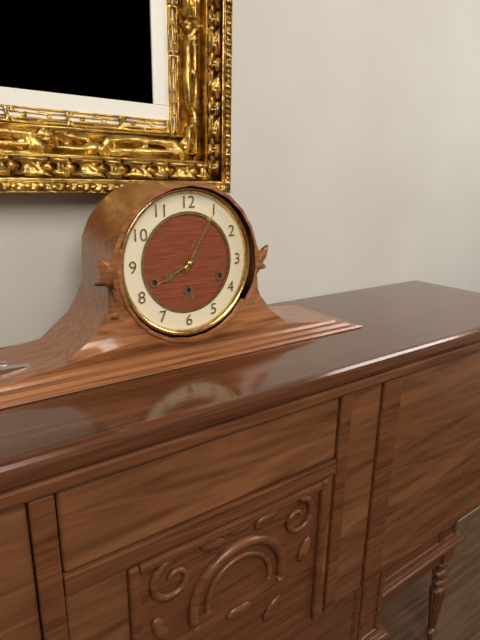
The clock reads 8h05
